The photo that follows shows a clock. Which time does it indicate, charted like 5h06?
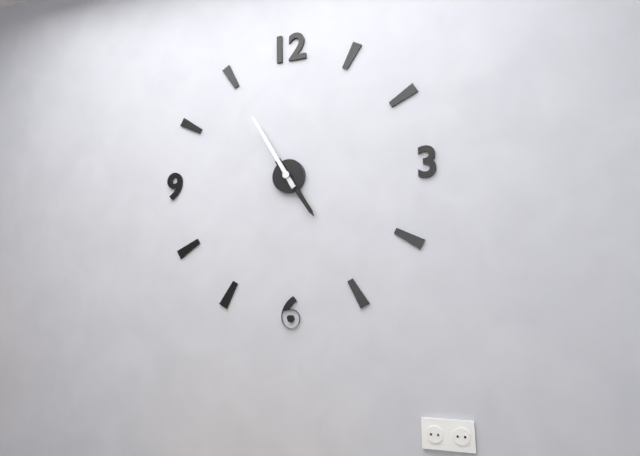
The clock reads 4h55
